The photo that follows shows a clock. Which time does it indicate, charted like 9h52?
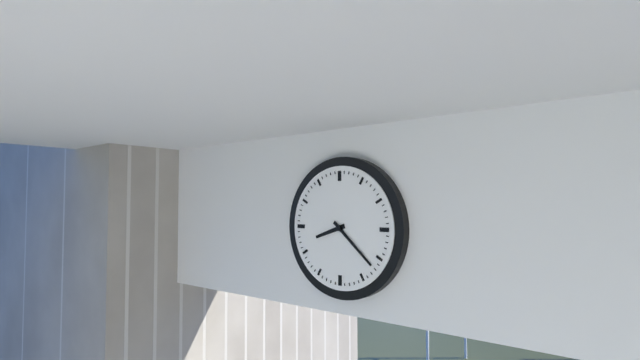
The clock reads 8h22
